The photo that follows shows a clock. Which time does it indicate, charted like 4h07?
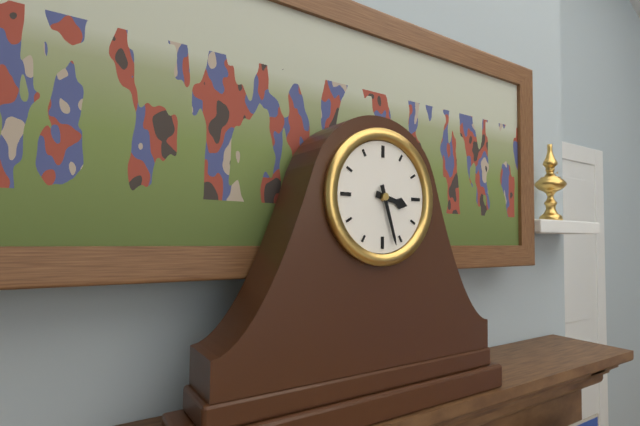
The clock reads 3h27
